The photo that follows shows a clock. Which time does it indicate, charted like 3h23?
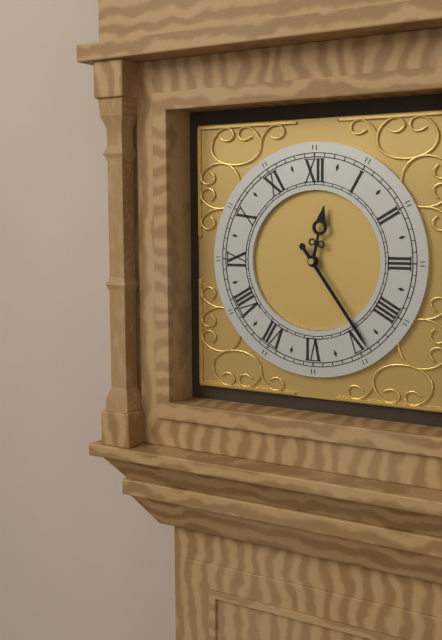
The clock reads 12h24
